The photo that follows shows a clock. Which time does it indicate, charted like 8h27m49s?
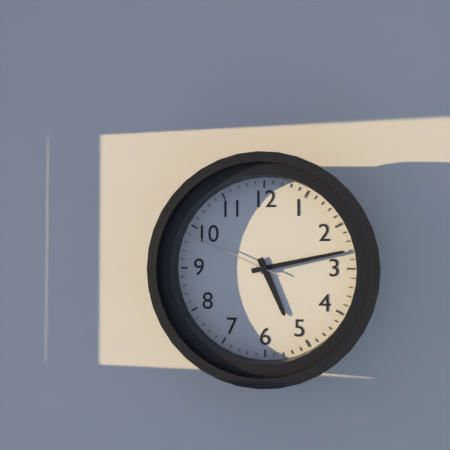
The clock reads 5h13m49s
